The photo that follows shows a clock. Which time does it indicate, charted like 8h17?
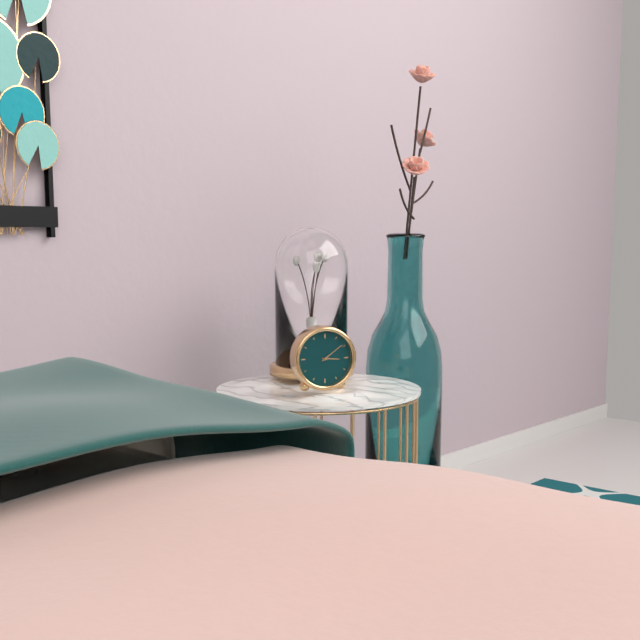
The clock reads 3h09
